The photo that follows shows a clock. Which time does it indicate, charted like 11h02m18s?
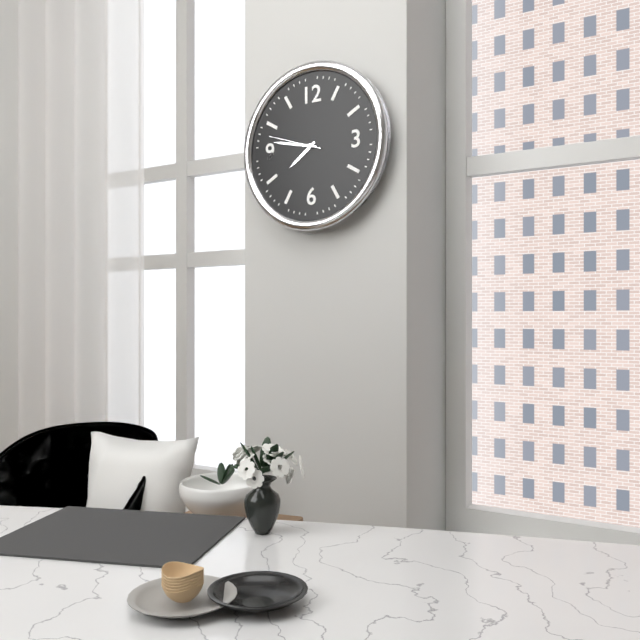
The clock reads 7h47m48s
